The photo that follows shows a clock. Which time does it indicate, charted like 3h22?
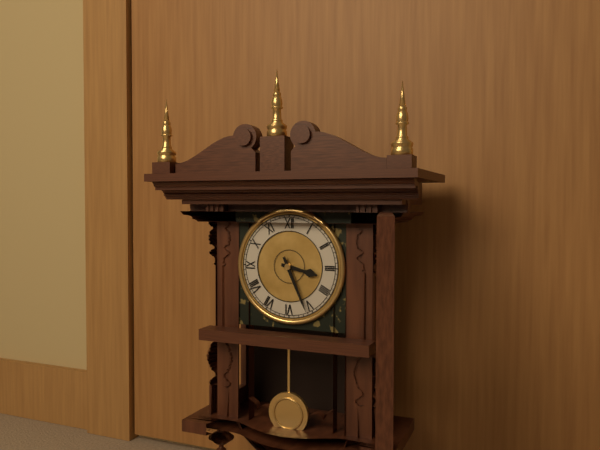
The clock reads 3h26
